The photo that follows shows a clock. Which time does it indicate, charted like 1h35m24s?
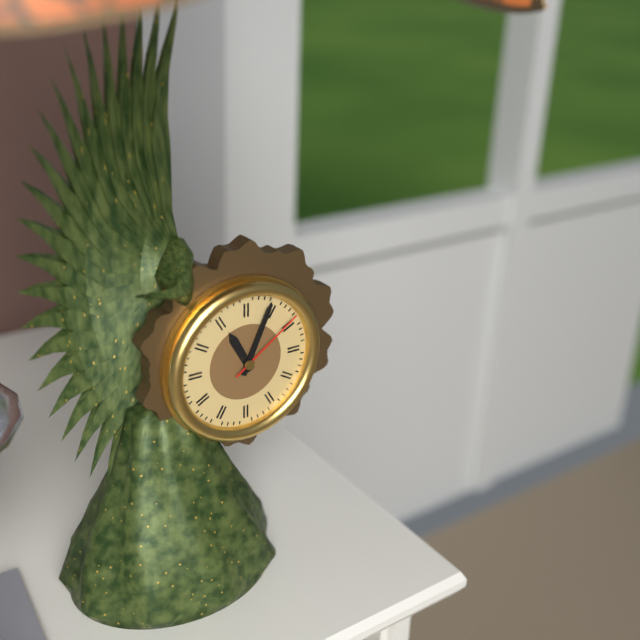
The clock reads 11h04m09s
